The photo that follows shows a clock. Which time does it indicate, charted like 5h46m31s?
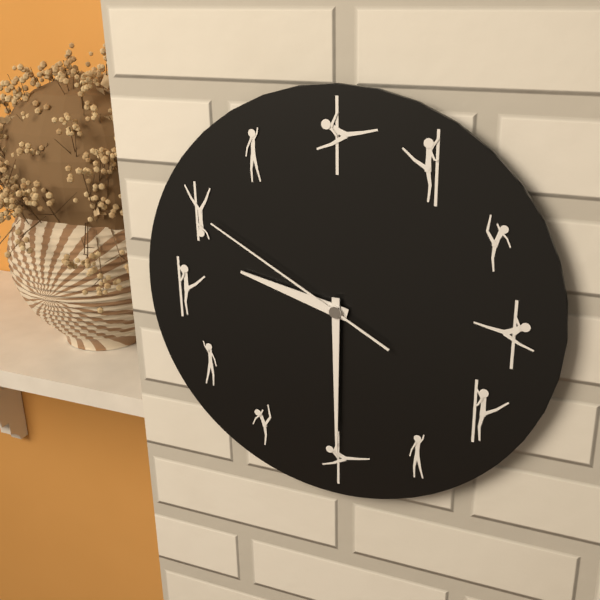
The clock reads 9h30m50s
